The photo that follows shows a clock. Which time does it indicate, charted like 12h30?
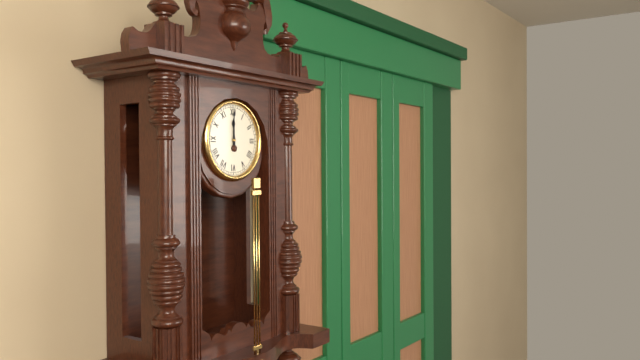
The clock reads 12h00
